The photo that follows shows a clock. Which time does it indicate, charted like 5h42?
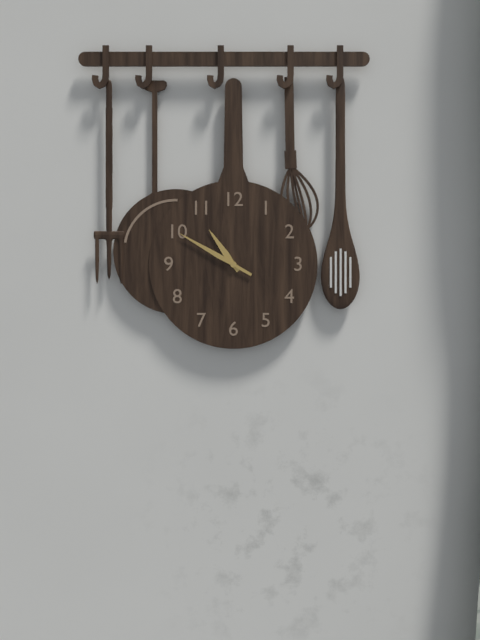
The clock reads 10h50
